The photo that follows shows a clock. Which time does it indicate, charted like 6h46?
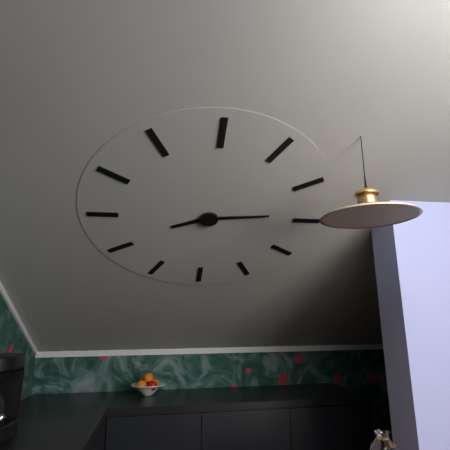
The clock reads 8h14
